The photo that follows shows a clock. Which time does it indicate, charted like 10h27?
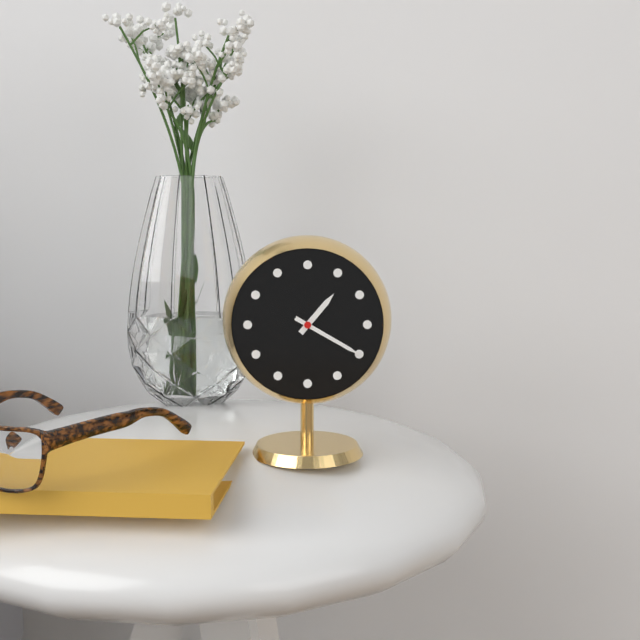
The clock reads 1h20
